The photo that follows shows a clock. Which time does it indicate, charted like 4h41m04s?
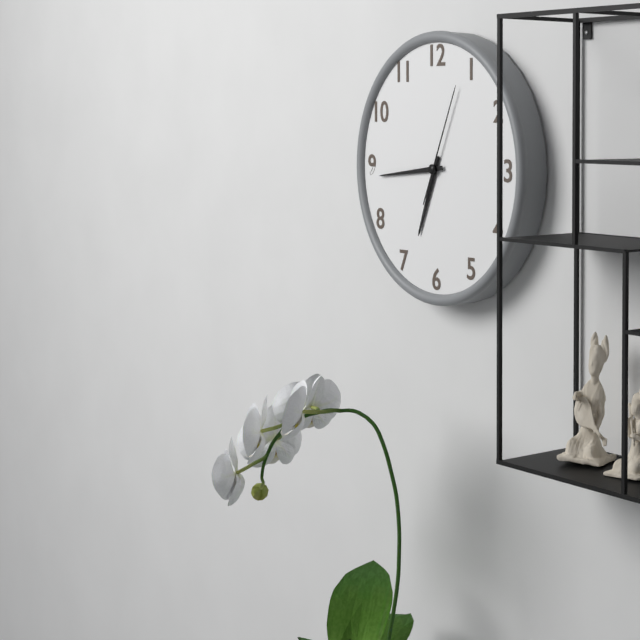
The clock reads 6h44m04s
